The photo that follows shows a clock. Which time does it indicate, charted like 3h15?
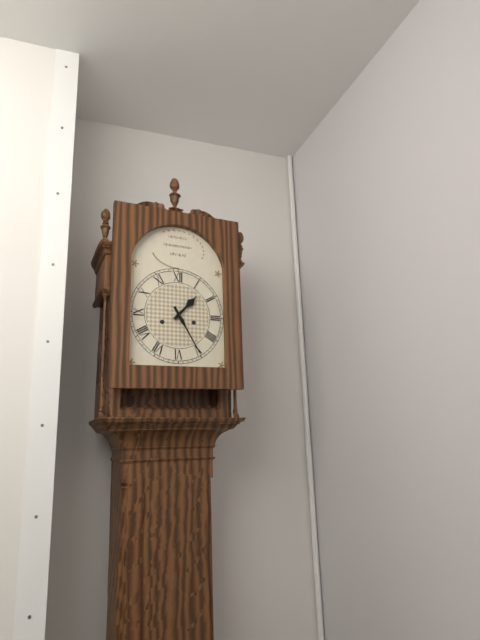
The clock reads 1h25
